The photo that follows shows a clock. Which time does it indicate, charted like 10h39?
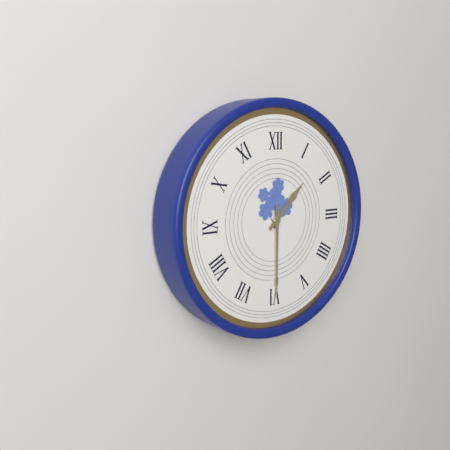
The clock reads 1h30
